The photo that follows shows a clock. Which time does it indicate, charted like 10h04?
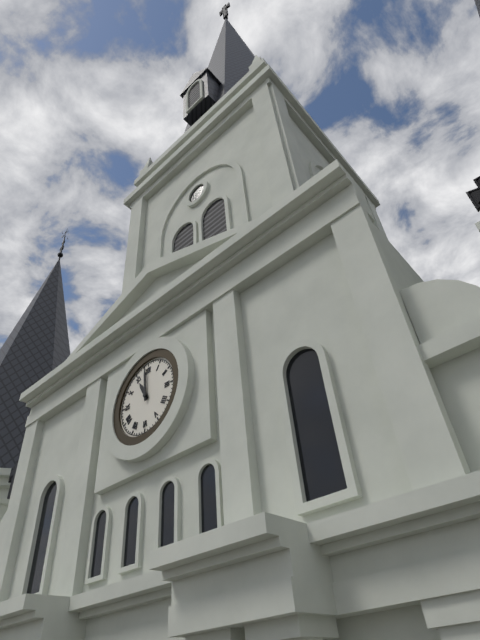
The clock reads 10h59
